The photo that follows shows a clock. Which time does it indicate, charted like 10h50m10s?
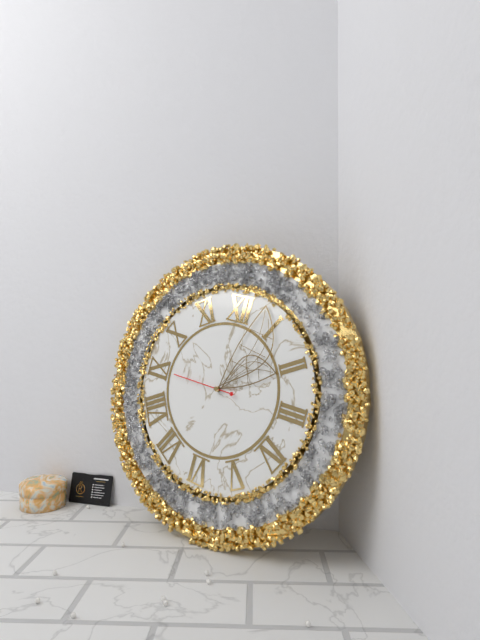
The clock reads 2h03m45s
